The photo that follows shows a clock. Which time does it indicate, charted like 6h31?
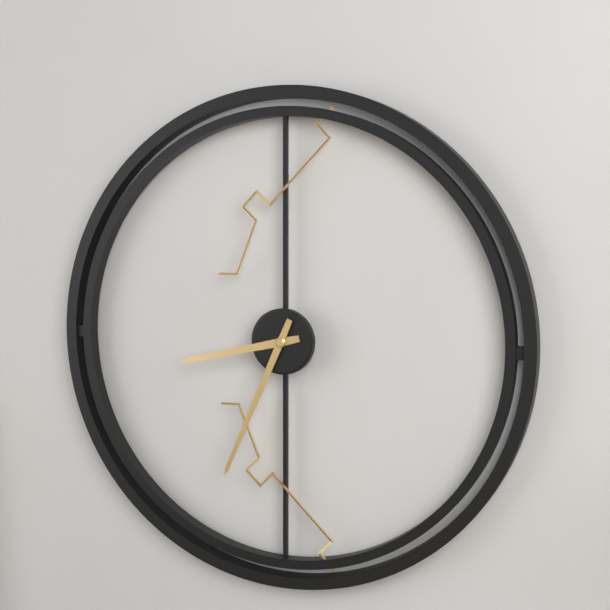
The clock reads 8h34
